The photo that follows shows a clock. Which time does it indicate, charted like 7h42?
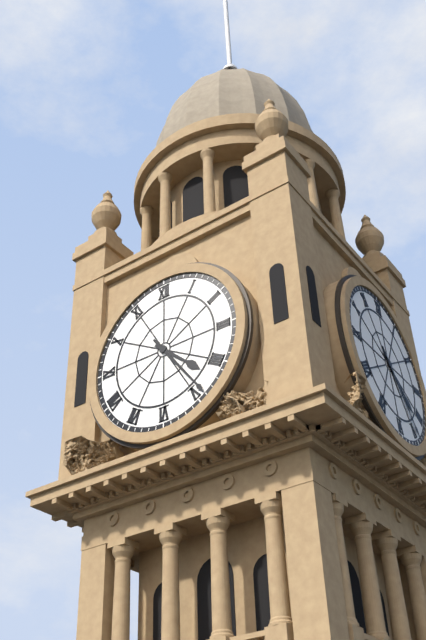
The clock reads 4h24
